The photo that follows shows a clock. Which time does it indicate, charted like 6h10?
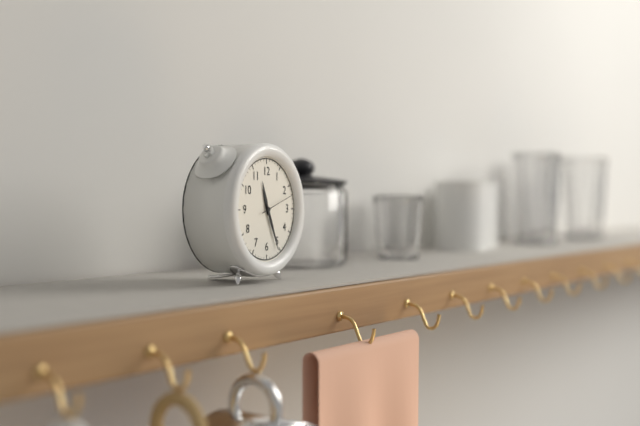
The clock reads 11h26
